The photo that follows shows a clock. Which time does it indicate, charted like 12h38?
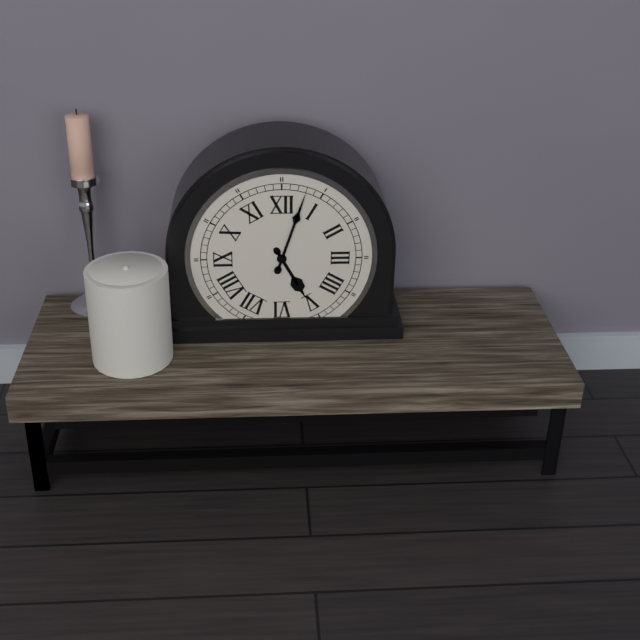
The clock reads 5h03
